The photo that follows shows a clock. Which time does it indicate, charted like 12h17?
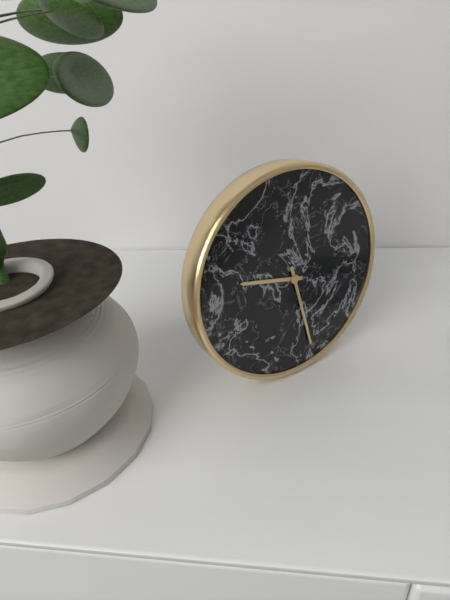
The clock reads 9h28
